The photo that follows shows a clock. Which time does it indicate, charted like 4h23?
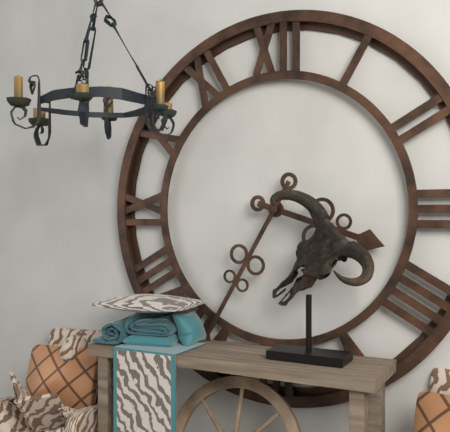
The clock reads 3h35
